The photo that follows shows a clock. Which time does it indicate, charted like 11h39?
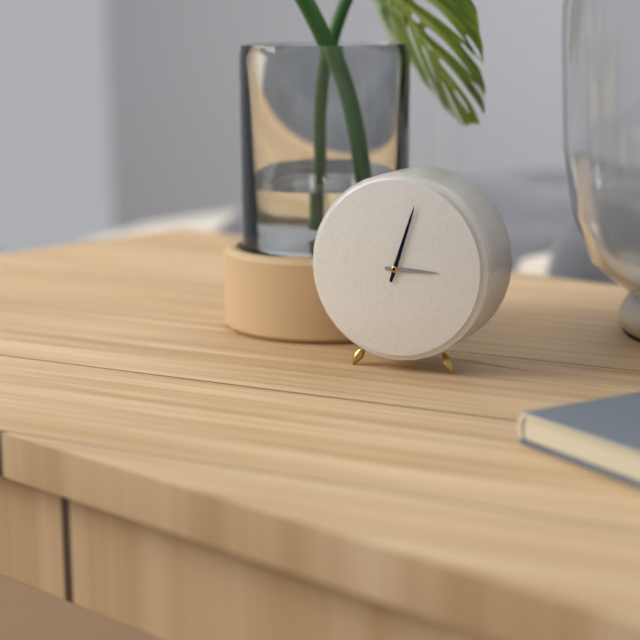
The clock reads 3h03
